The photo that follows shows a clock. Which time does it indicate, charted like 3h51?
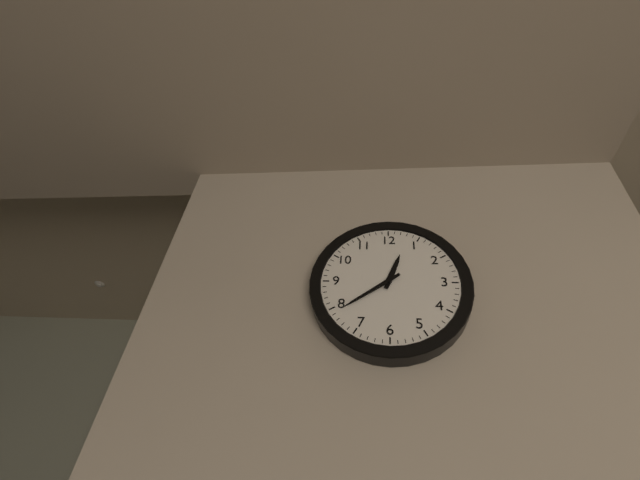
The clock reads 12h39
